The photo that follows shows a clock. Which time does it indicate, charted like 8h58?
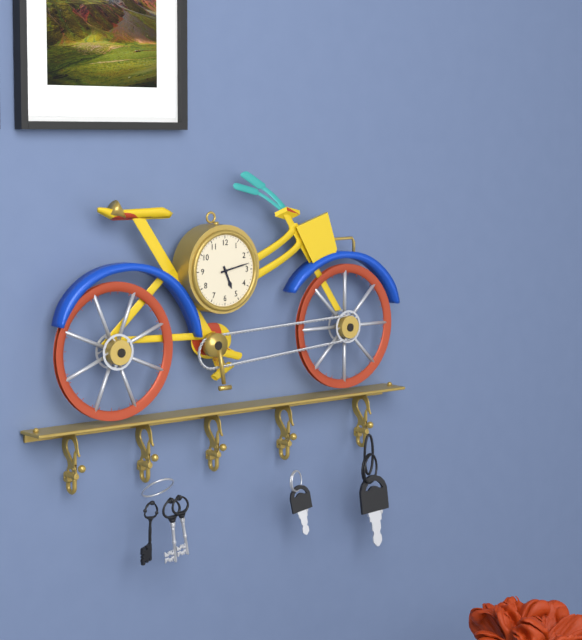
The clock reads 5h13
